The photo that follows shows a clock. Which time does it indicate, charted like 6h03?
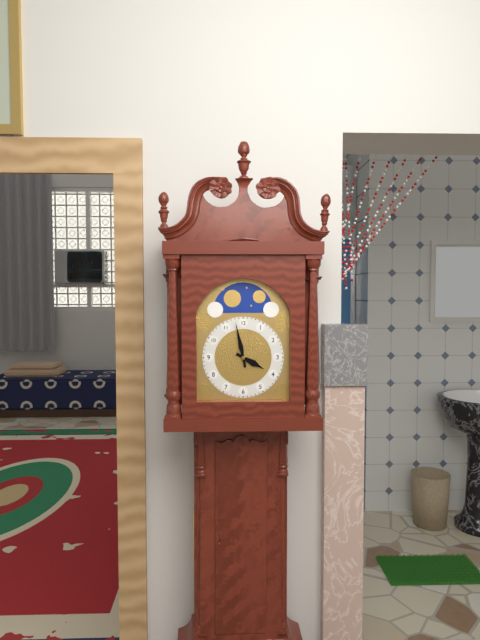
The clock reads 3h58
